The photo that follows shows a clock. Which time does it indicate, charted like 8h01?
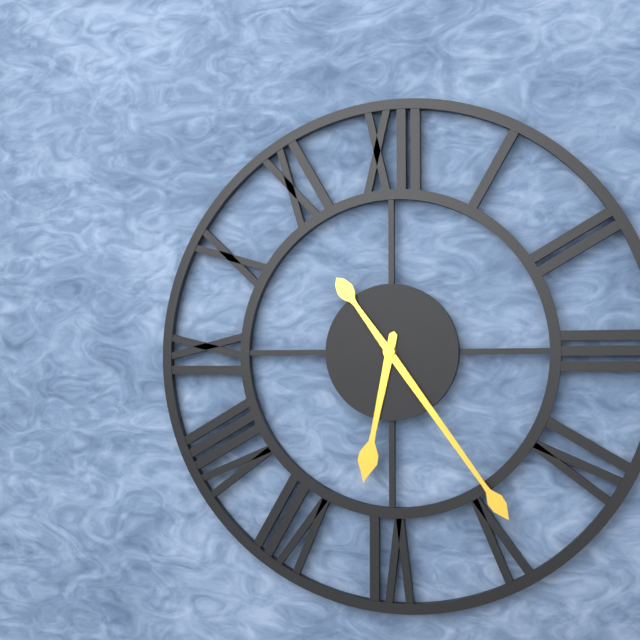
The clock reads 6h24
